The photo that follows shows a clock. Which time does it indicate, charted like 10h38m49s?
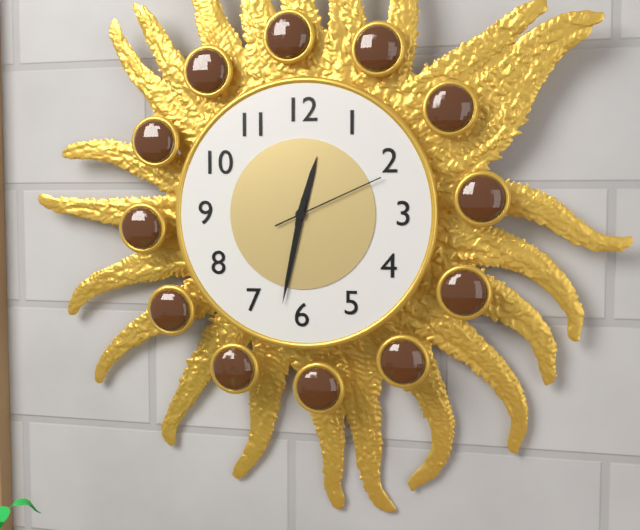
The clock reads 12h32m11s
